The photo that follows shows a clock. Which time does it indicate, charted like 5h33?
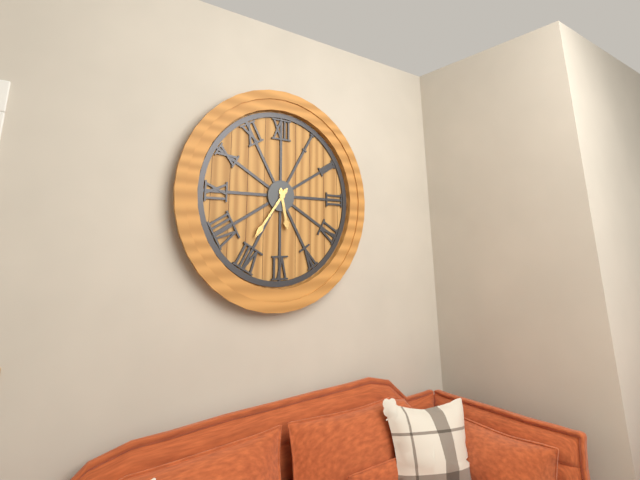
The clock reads 5h36
